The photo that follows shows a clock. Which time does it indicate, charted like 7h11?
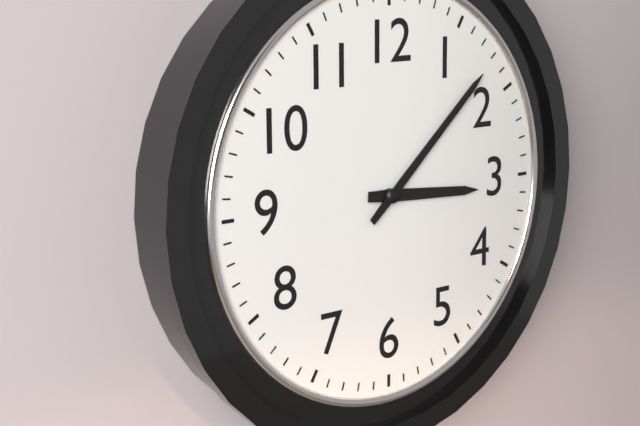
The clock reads 3h08
